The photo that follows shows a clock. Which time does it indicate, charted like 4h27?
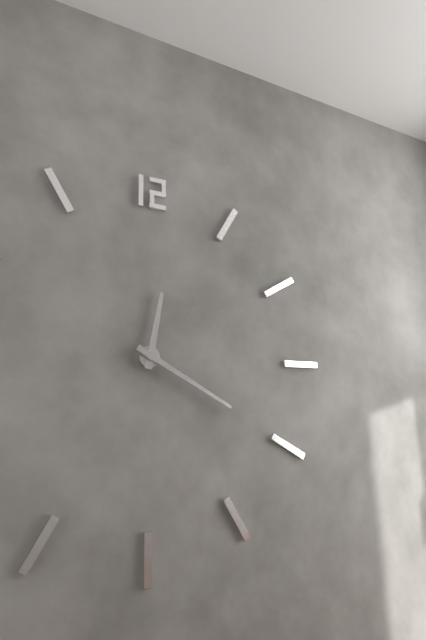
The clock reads 12h20
